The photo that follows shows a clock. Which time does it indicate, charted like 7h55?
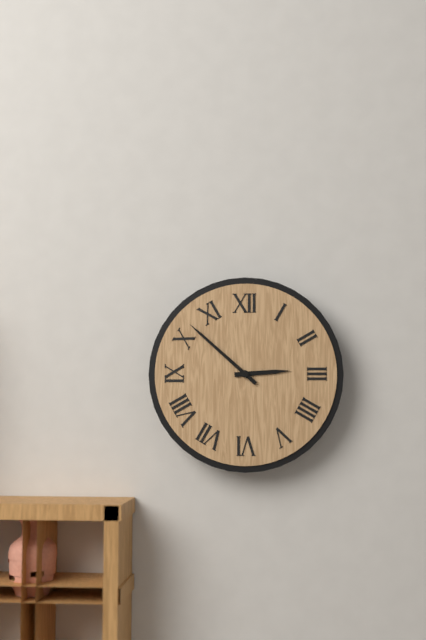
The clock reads 2h52
